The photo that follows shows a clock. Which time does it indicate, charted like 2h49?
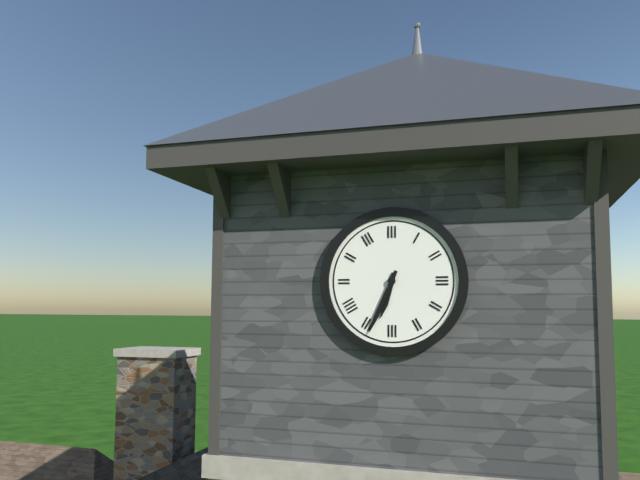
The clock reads 6h34
